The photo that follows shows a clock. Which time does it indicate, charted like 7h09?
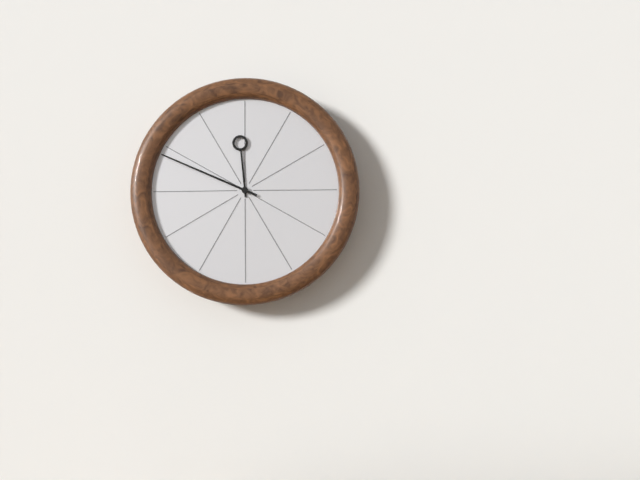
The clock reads 11h49
